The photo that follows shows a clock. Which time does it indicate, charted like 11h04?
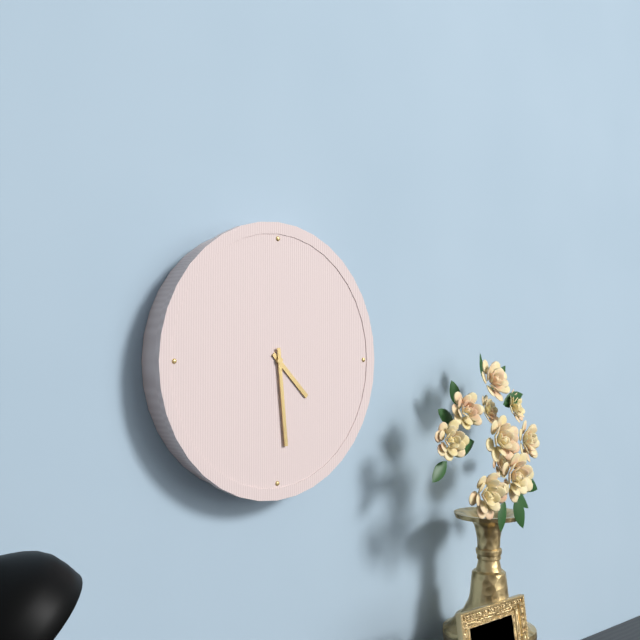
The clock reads 4h29
